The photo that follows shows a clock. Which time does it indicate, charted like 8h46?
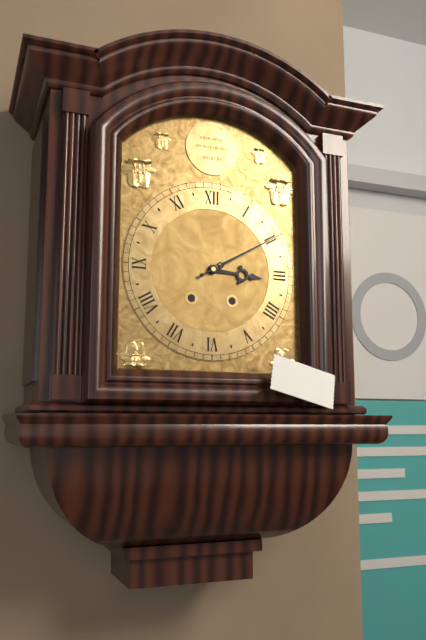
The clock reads 3h10
